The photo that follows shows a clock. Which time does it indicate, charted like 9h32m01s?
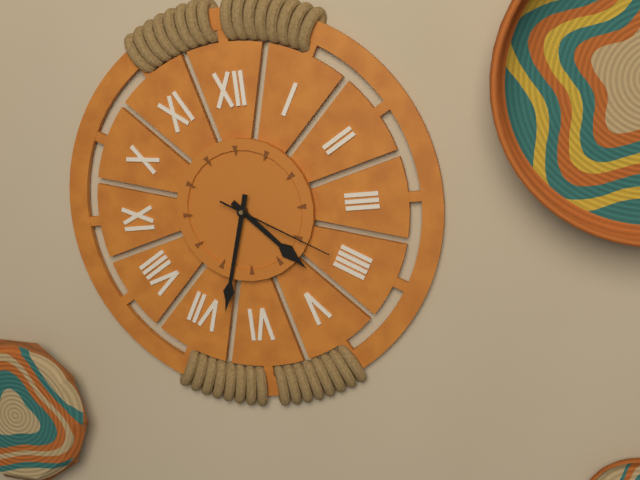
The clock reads 4h33m20s
